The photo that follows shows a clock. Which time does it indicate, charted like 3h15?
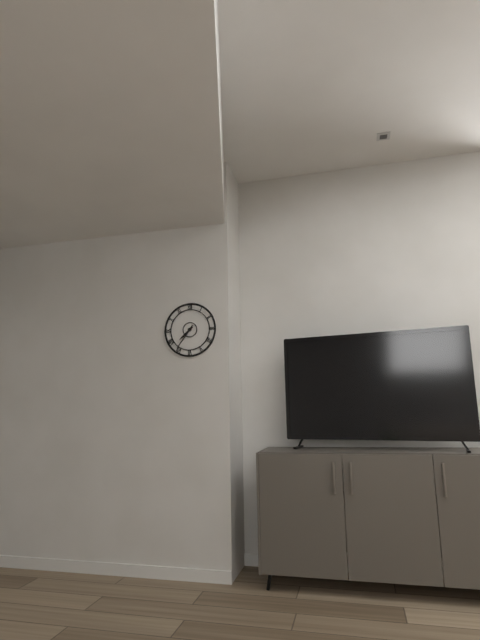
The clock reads 7h36
